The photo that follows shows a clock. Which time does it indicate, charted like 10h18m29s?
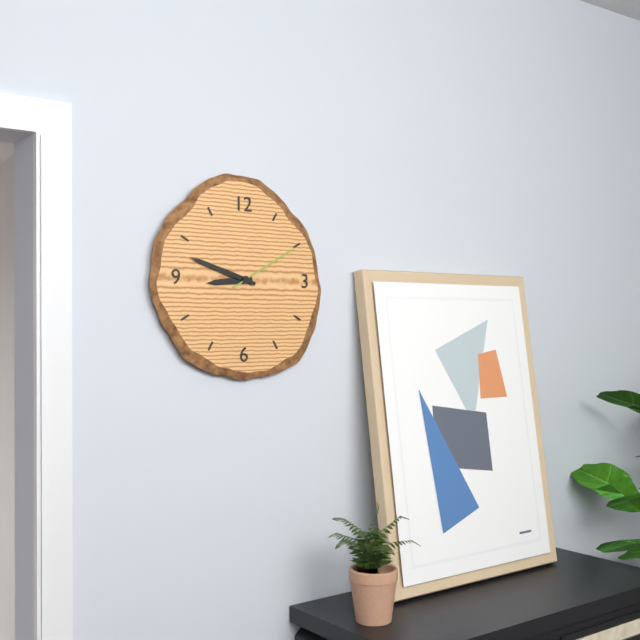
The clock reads 8h48m10s
